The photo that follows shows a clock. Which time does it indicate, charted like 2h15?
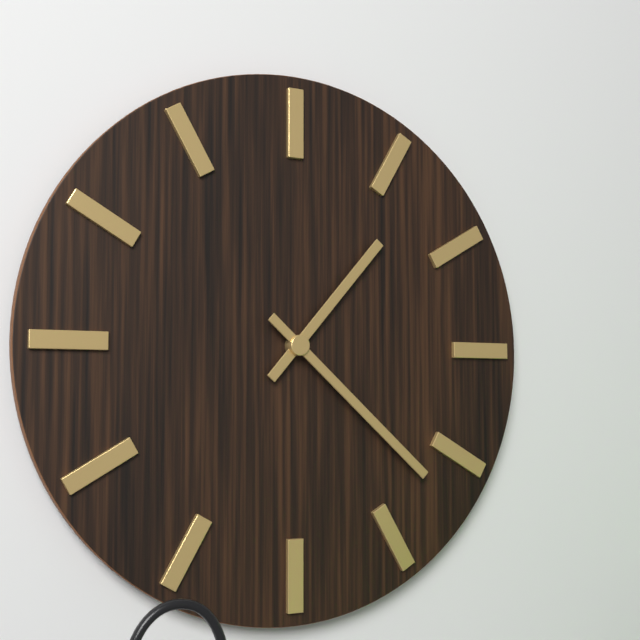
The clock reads 1h22
